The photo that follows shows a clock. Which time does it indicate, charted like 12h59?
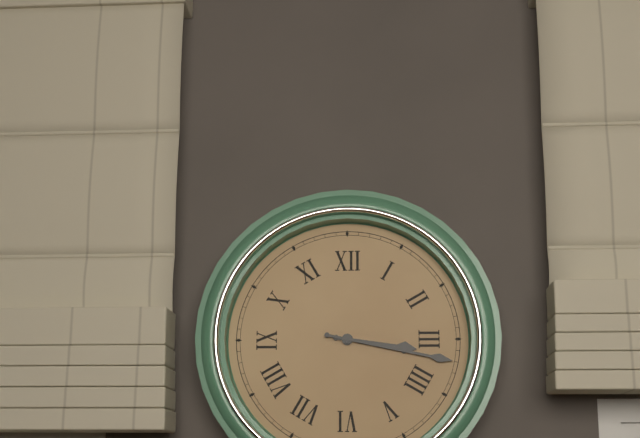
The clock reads 3h17
